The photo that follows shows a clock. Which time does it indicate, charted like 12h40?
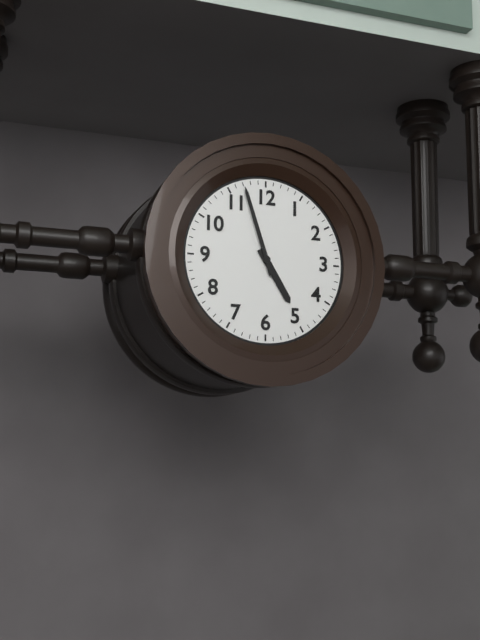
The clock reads 4h57
